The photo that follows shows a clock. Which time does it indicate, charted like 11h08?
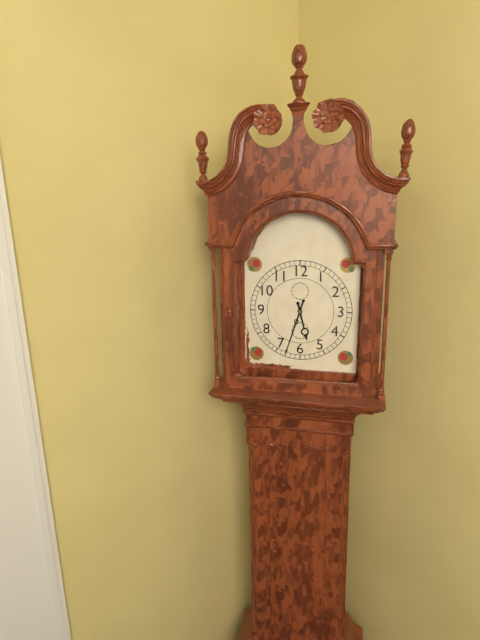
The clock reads 5h33
